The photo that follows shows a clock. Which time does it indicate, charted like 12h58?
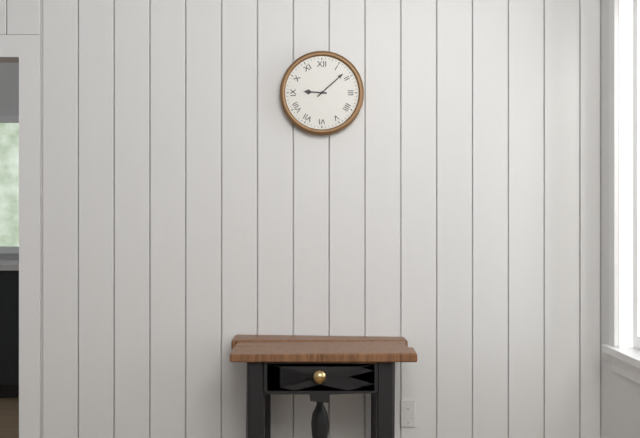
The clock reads 9h08
